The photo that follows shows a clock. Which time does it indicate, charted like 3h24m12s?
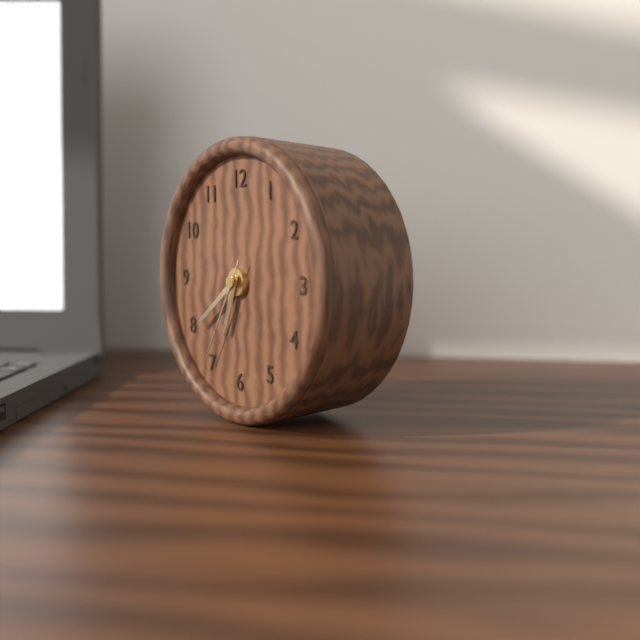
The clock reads 6h39m35s
